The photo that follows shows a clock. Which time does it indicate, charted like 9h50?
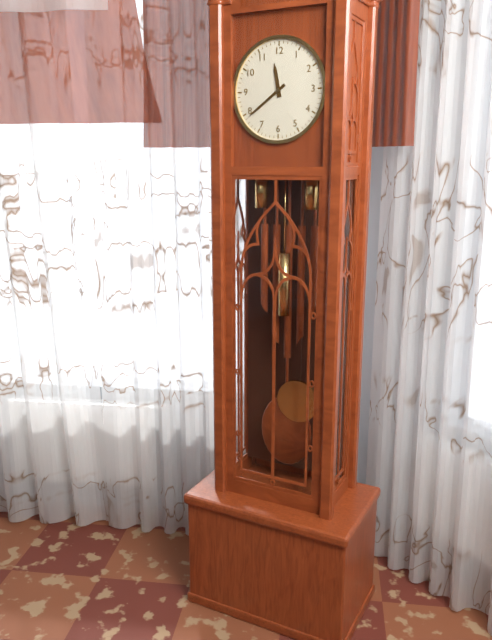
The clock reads 11h39
